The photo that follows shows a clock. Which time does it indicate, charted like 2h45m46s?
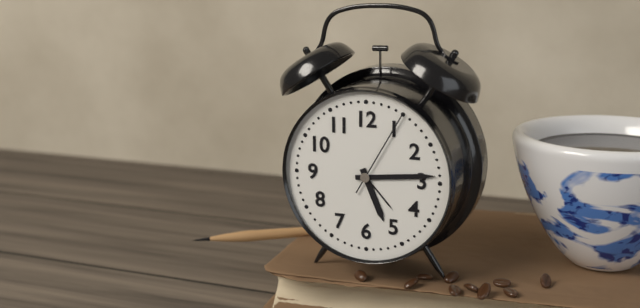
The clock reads 5h14m05s
